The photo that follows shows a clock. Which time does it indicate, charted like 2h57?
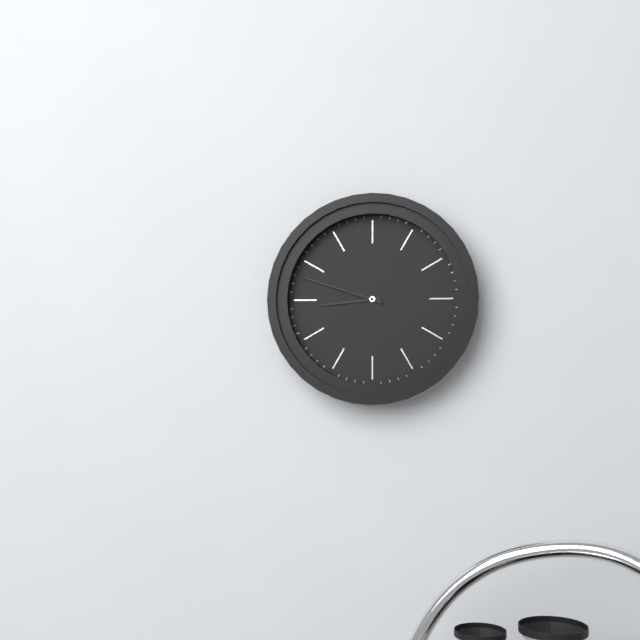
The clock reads 8h48
